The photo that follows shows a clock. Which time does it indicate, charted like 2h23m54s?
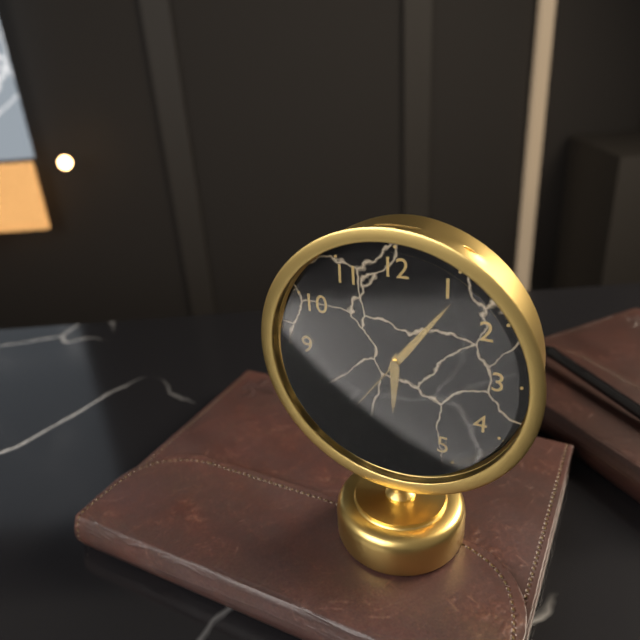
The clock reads 6h06m36s
